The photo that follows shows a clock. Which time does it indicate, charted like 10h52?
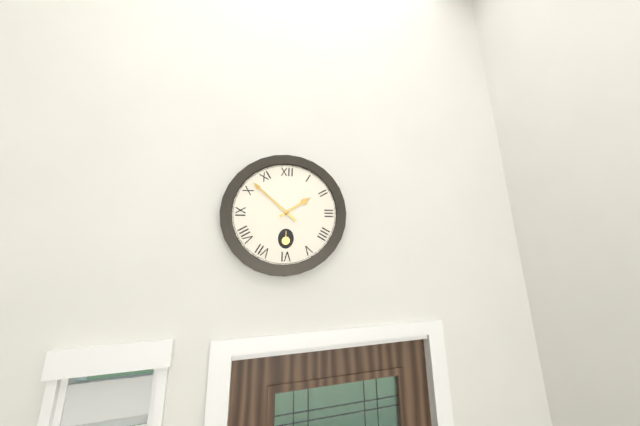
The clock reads 1h52
